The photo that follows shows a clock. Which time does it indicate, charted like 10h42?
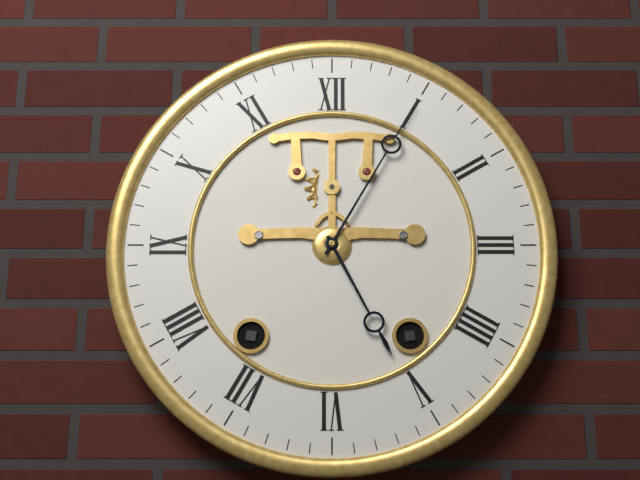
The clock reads 5h05
